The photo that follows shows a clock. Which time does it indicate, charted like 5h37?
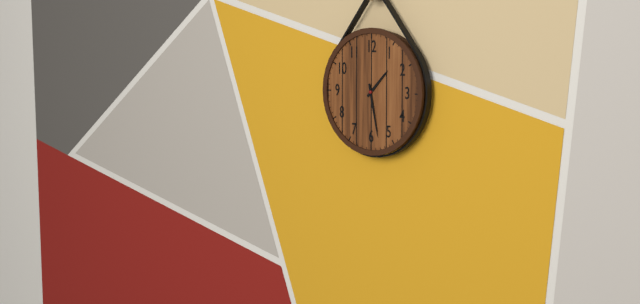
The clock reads 1h28
